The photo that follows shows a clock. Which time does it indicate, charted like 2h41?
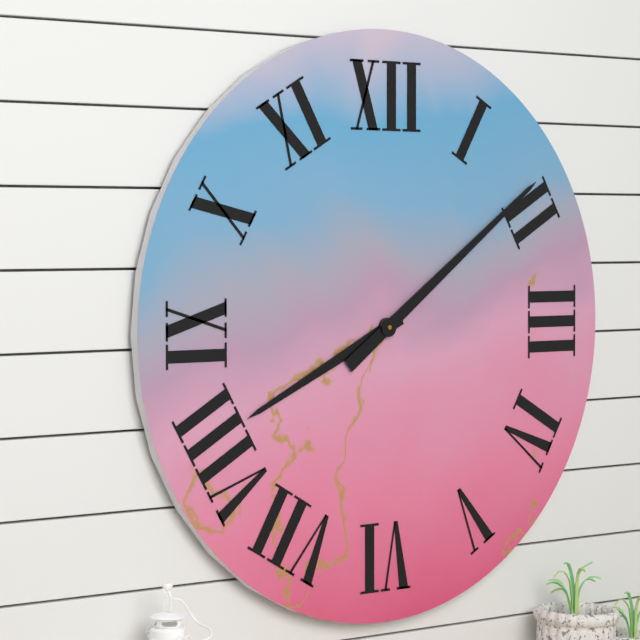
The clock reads 8h09
